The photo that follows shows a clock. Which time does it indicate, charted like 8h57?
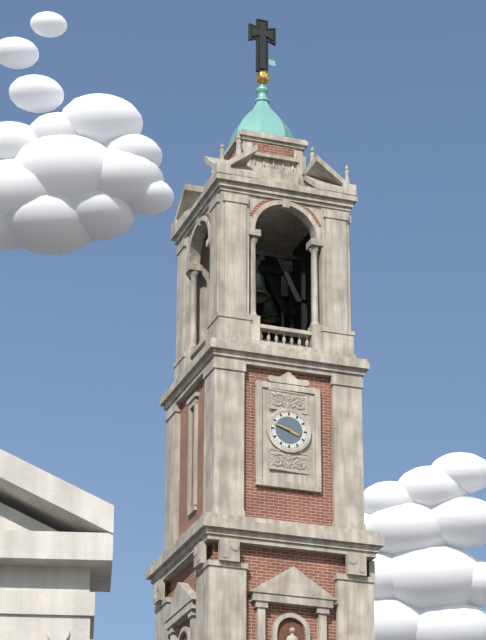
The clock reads 3h48
